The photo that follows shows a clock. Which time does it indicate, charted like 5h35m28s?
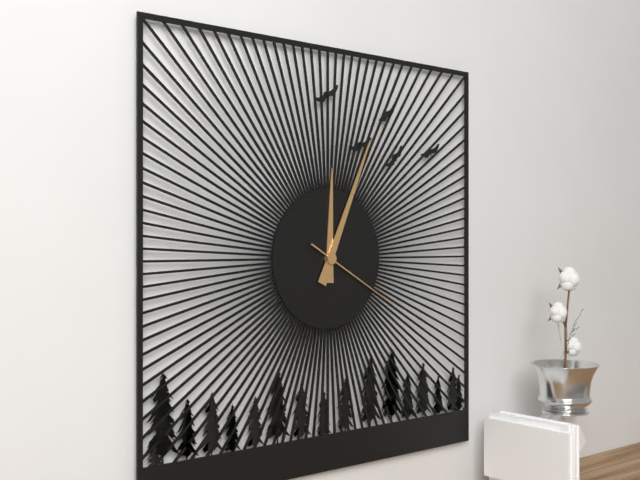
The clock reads 12h04m20s
